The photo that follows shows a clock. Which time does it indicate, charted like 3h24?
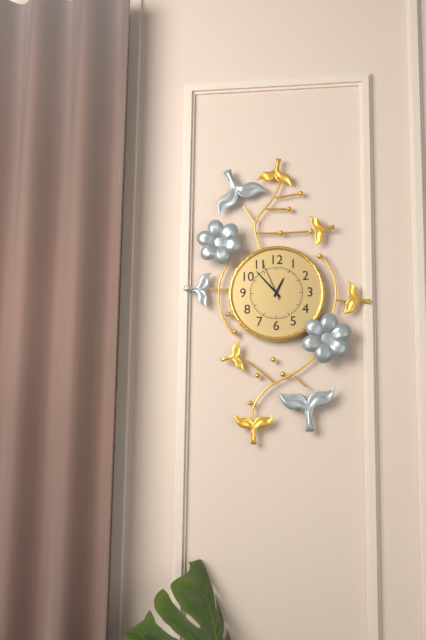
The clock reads 12h53
